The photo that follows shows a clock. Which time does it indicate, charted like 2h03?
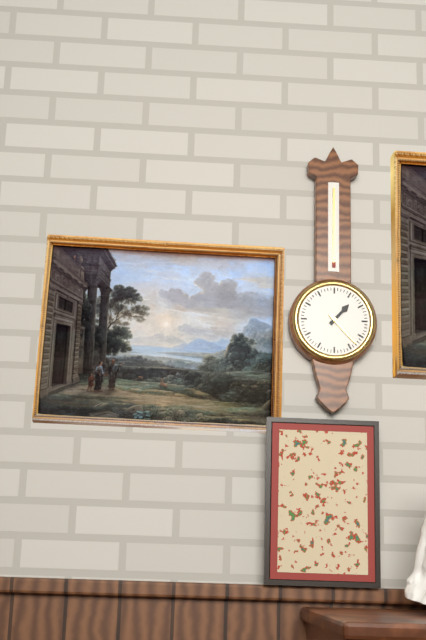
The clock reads 1h23
